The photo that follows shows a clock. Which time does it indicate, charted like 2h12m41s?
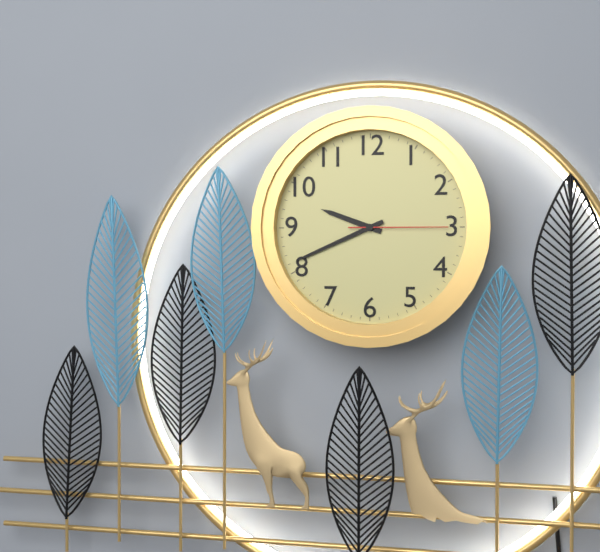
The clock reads 9h41m15s
